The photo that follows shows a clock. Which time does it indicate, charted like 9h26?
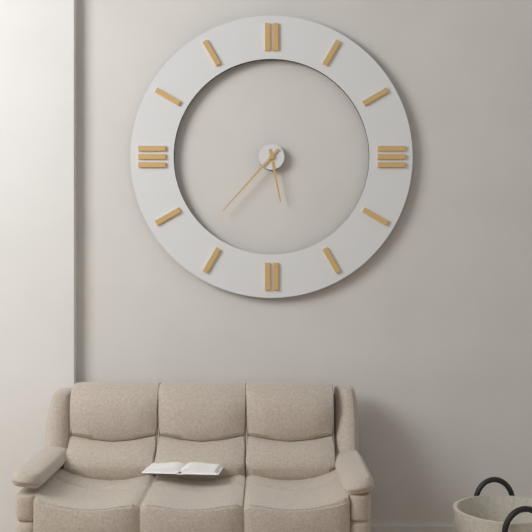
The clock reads 5h37
